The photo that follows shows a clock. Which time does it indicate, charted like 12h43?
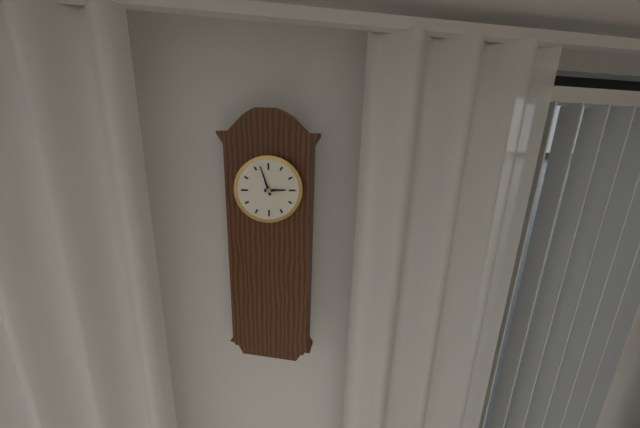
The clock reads 2h57
